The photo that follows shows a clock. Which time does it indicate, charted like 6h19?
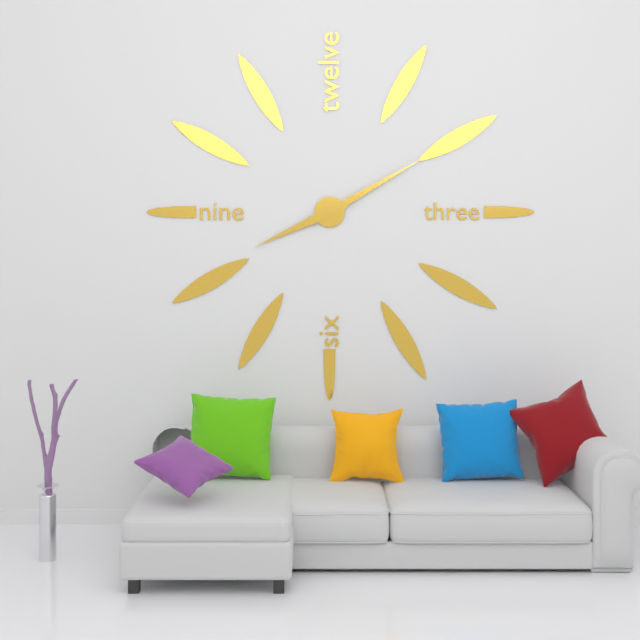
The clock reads 8h10
